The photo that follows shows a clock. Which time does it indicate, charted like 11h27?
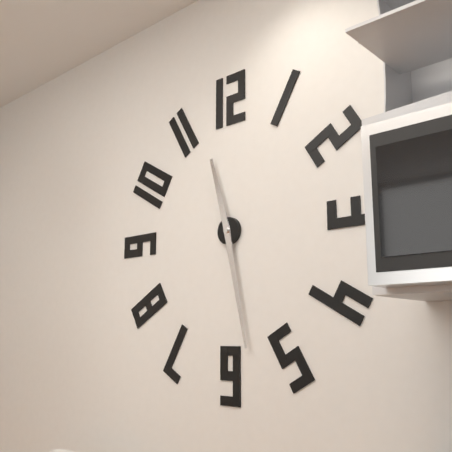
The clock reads 11h28
